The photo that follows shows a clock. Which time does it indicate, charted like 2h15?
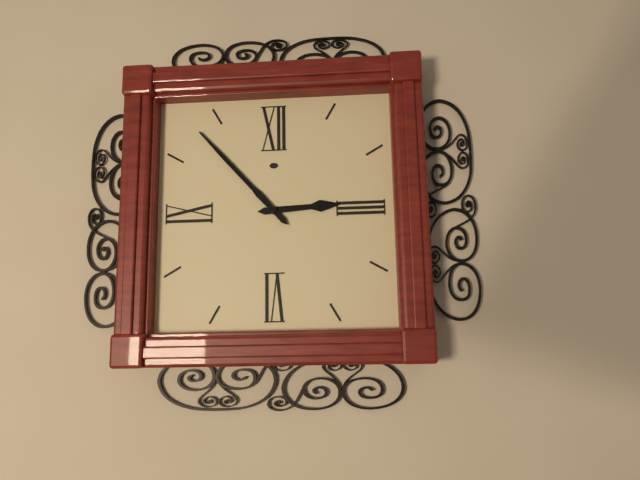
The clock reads 2h53
